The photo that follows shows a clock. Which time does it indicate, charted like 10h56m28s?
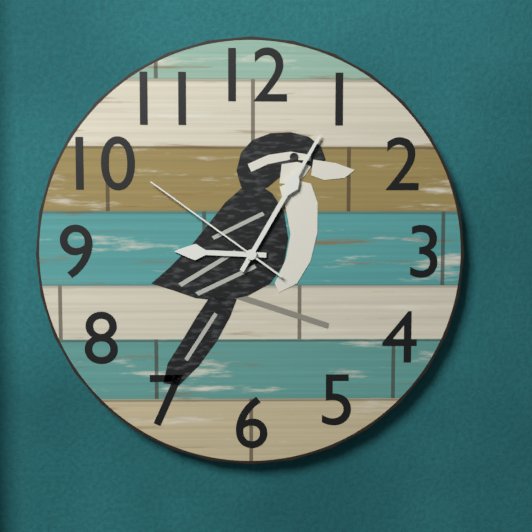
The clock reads 9h05m51s
